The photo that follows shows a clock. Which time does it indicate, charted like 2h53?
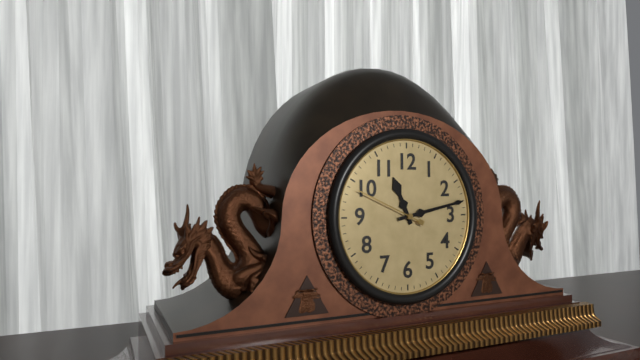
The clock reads 11h13
